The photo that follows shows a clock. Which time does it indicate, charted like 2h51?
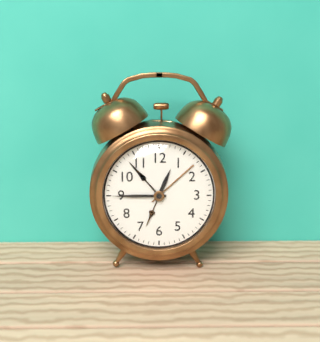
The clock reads 12h45
